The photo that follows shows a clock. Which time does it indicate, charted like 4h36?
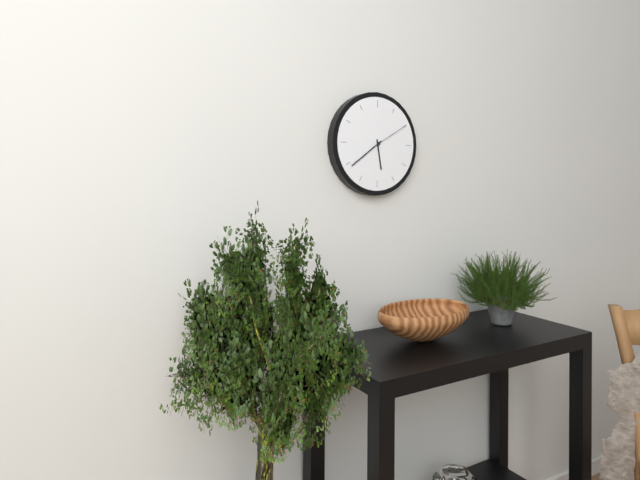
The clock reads 5h39
